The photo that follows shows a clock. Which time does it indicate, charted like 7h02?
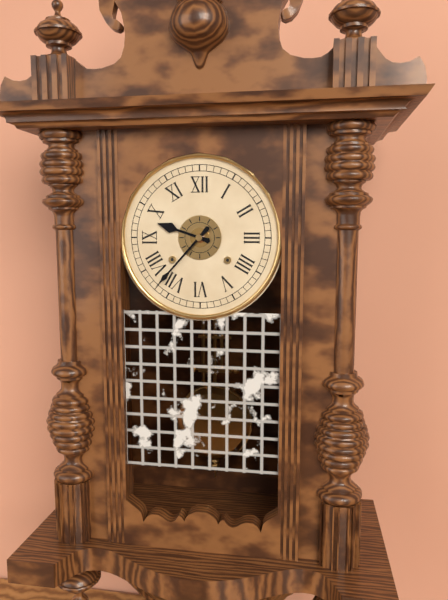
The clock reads 9h37
